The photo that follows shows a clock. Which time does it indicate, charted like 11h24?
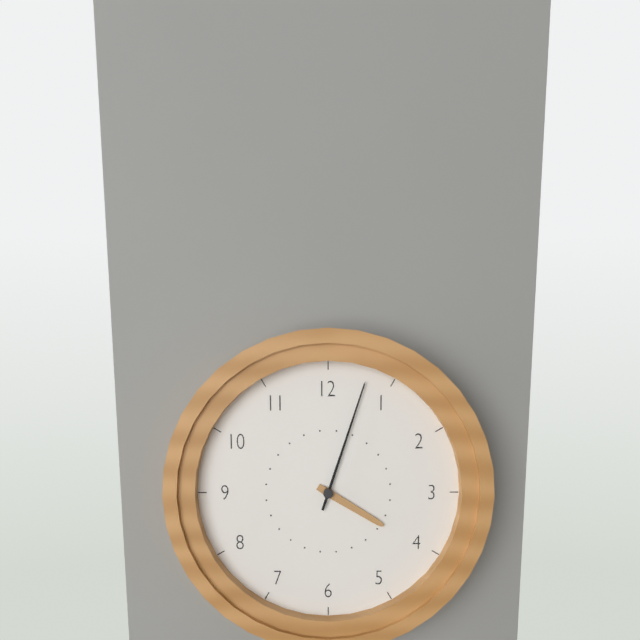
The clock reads 4h03
